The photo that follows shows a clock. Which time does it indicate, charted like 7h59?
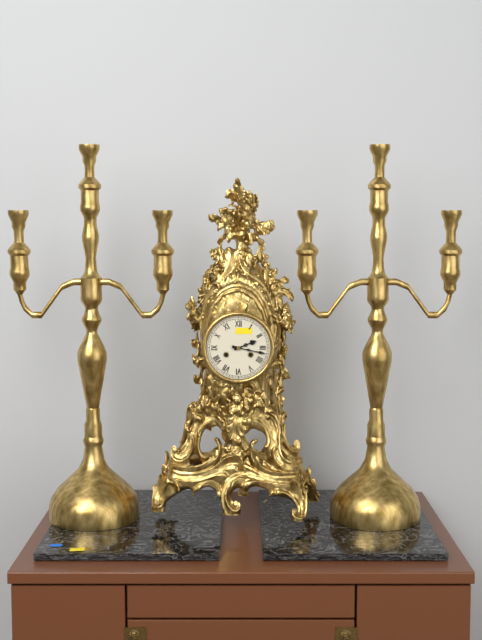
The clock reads 2h17
